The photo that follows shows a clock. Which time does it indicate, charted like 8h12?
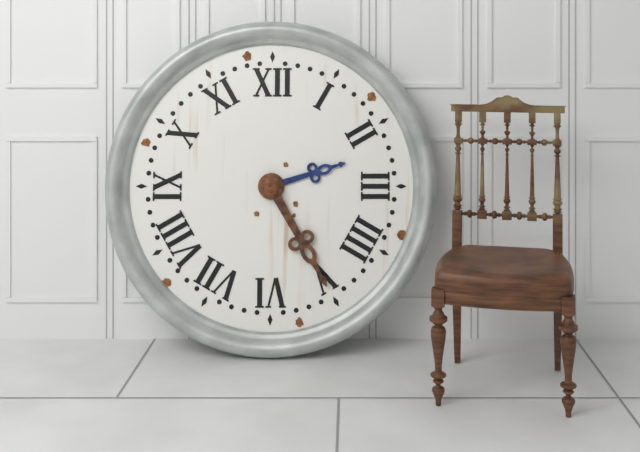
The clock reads 2h25
